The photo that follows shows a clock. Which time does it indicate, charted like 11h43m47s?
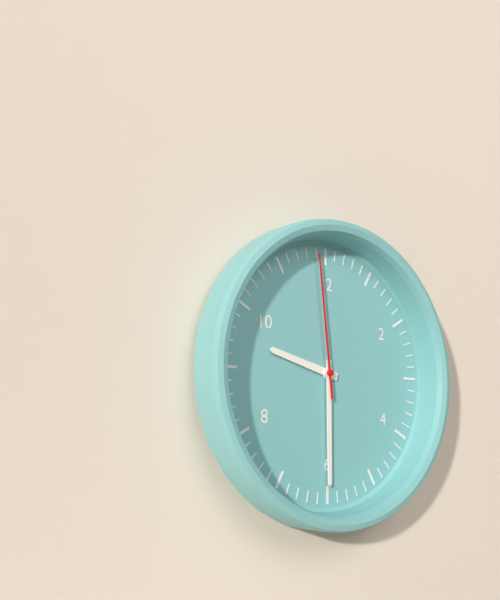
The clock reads 9h30m59s
